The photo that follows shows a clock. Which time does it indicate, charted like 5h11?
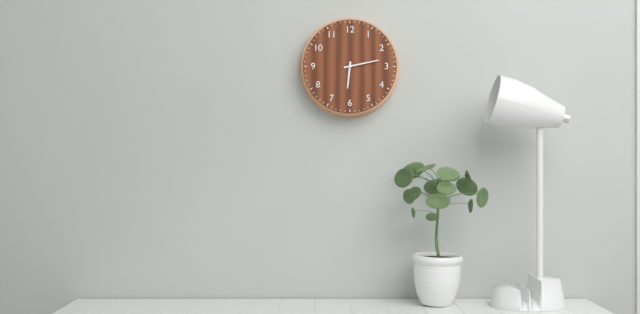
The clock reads 6h13
